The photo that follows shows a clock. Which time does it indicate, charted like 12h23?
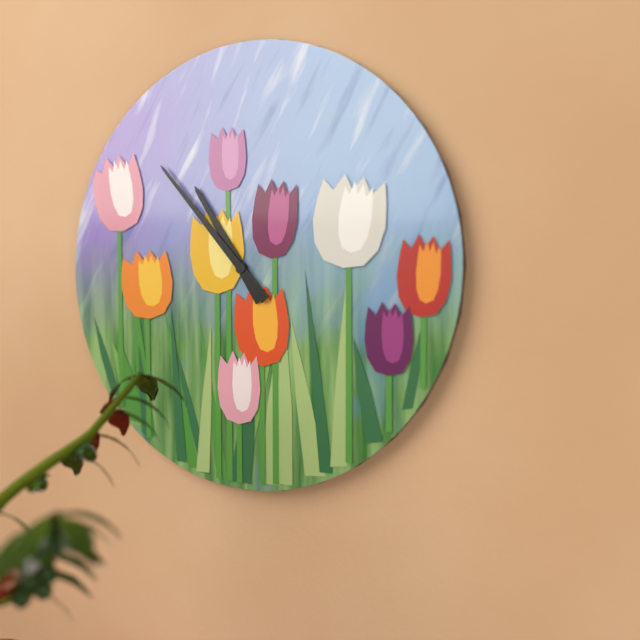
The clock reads 10h53
